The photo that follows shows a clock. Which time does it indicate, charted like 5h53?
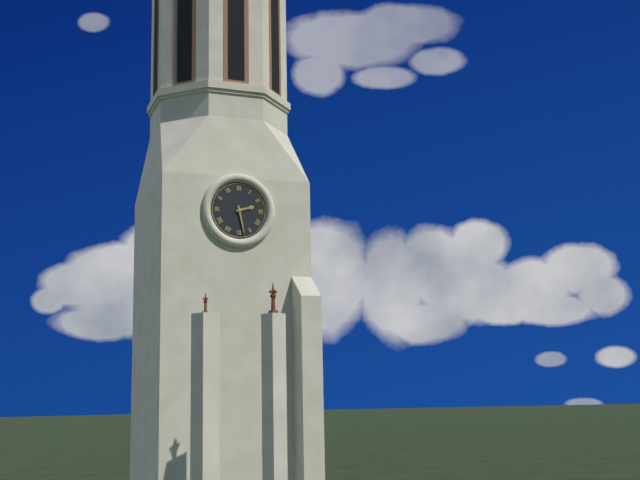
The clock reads 2h28
